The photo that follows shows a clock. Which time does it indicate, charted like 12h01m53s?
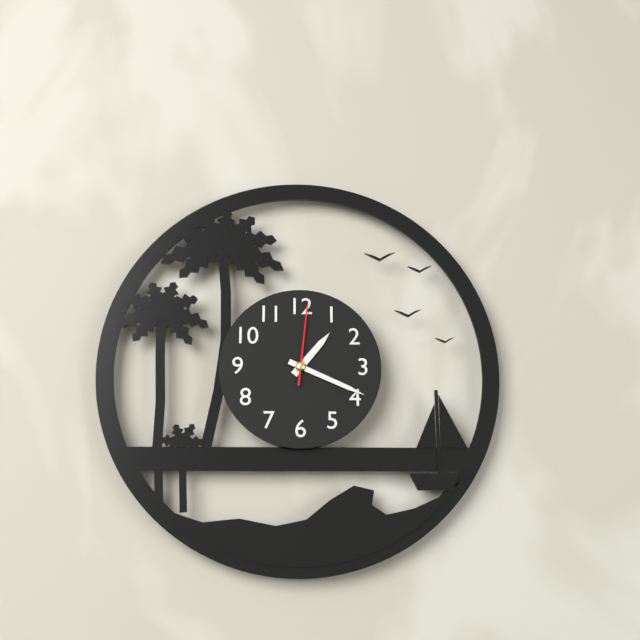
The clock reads 1h19m01s
